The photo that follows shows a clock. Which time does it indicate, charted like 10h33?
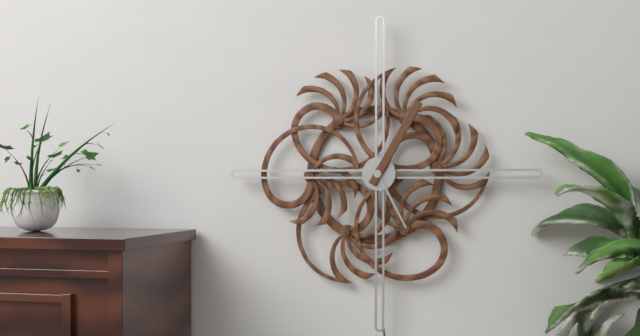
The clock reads 5h05
